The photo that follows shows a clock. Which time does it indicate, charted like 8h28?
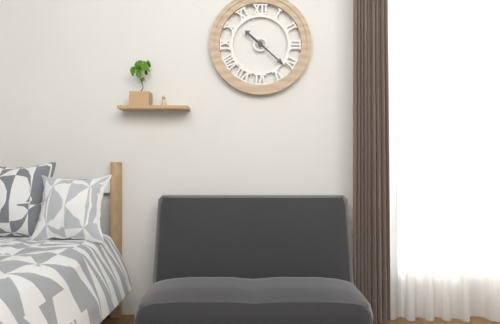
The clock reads 10h22
